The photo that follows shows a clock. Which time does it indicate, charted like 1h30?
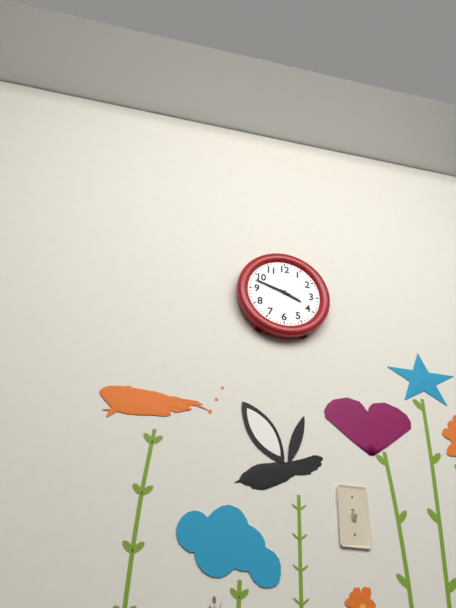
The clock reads 3h48
